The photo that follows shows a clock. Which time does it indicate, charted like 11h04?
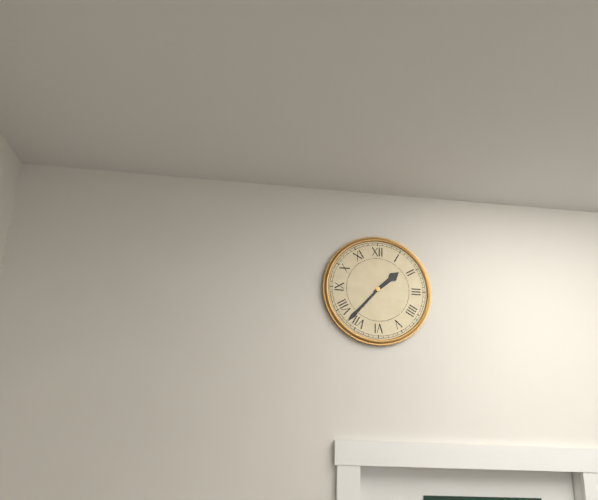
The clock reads 1h37
